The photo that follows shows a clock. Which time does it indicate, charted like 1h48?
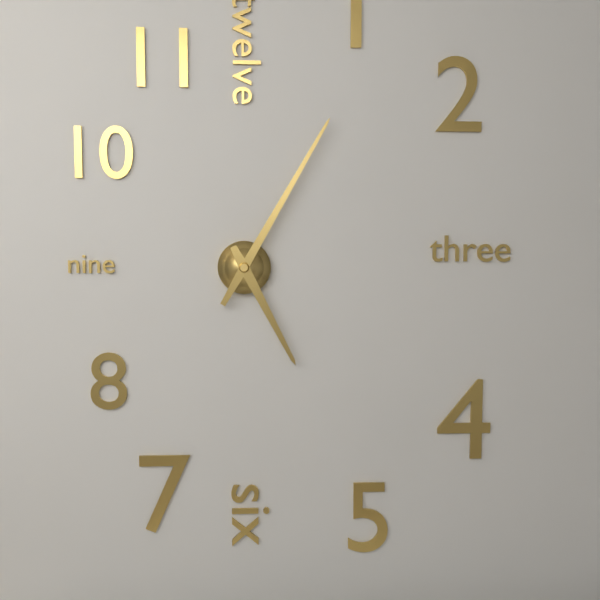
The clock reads 5h05
